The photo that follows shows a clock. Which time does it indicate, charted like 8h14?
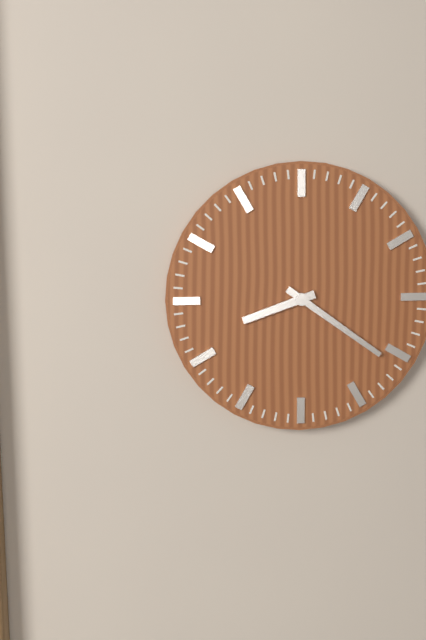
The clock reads 8h21
